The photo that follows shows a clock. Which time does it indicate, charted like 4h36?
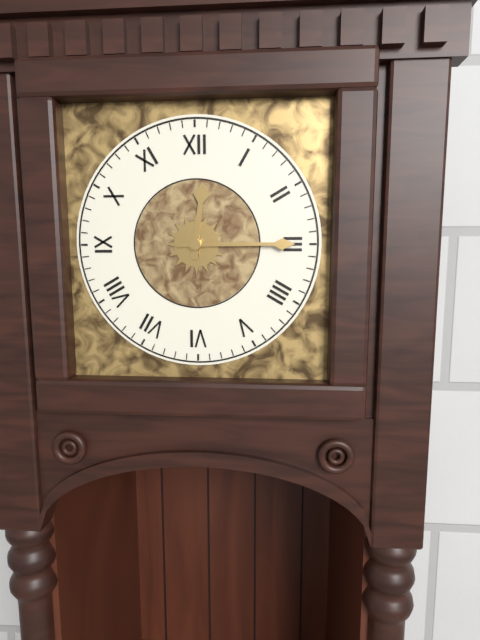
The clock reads 12h15
